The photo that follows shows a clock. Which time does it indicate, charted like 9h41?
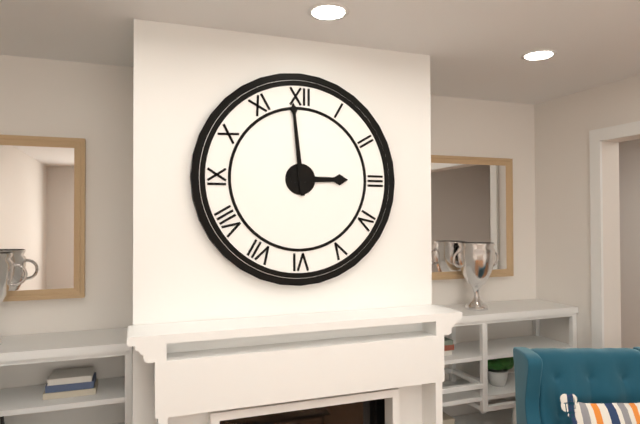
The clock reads 2h59
